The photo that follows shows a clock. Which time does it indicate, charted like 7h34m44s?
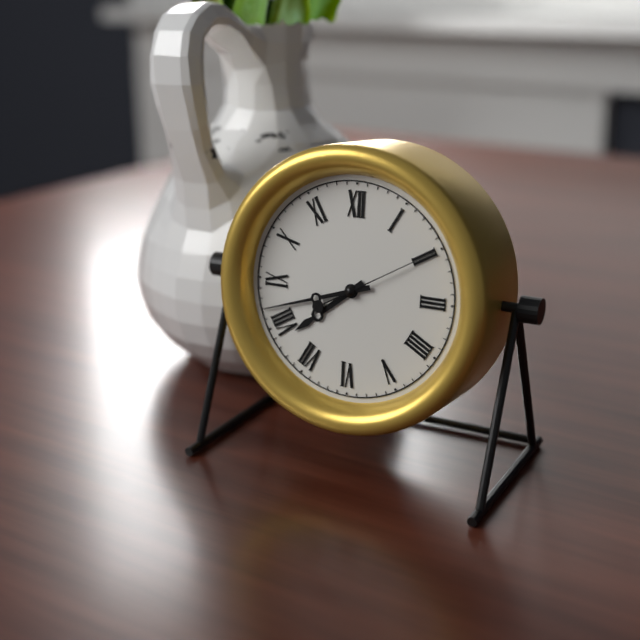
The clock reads 7h42m10s
